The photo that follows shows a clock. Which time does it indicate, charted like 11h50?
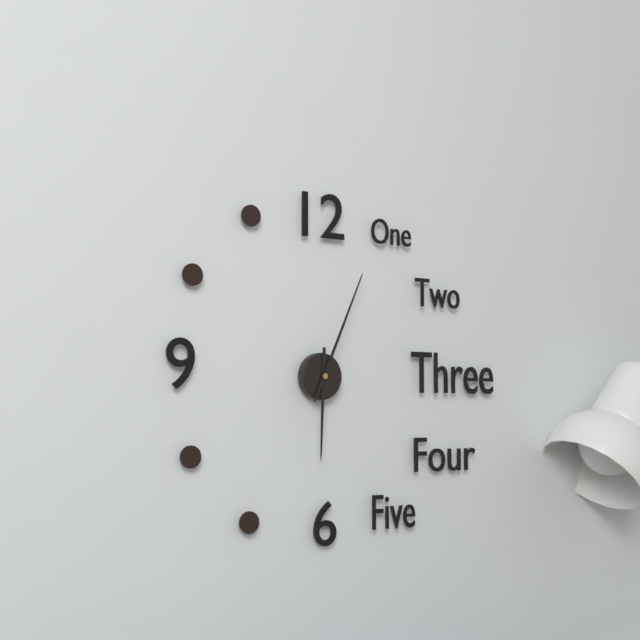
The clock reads 6h04
